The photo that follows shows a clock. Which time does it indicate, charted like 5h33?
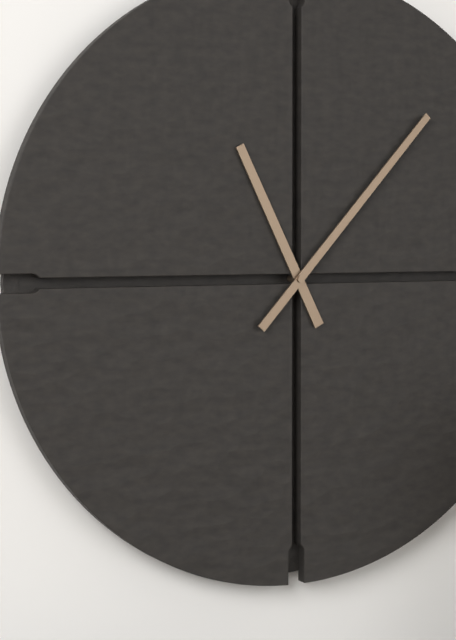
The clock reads 11h07
